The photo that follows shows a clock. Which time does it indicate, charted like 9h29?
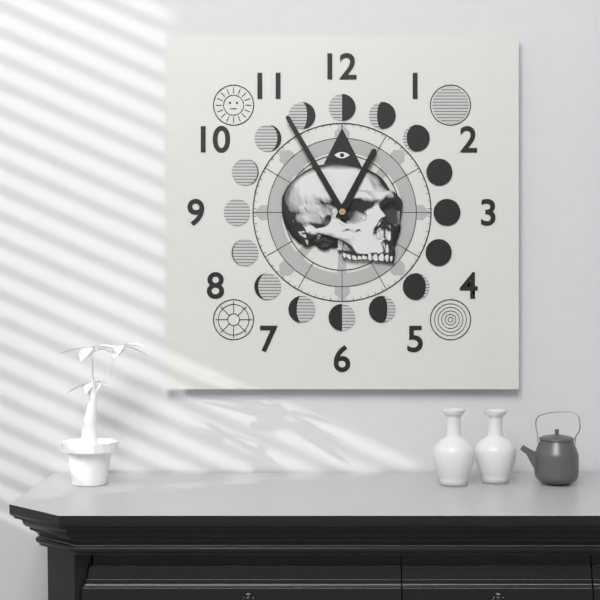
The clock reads 12h55
